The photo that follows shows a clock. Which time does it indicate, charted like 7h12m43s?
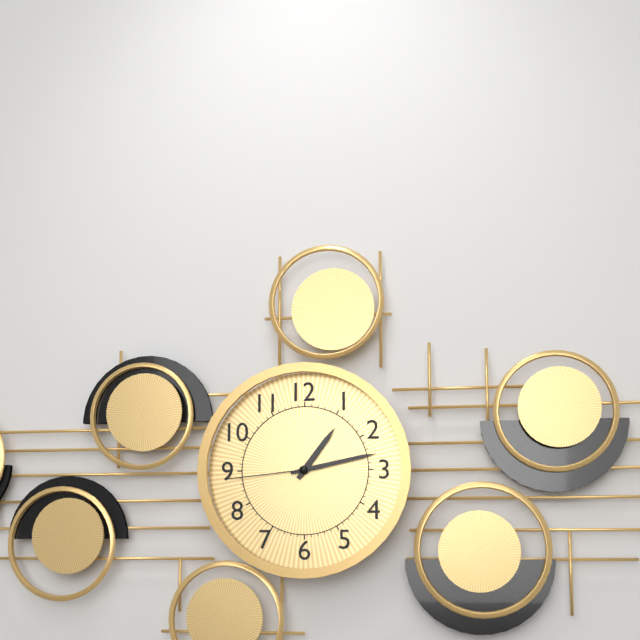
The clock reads 1h13m44s
